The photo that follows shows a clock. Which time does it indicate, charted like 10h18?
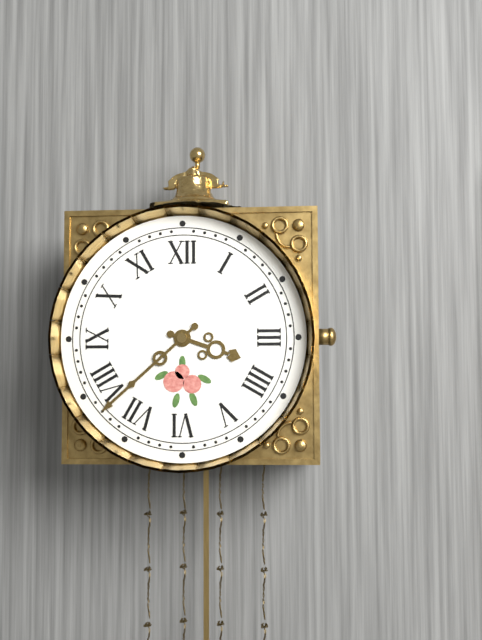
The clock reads 3h38
